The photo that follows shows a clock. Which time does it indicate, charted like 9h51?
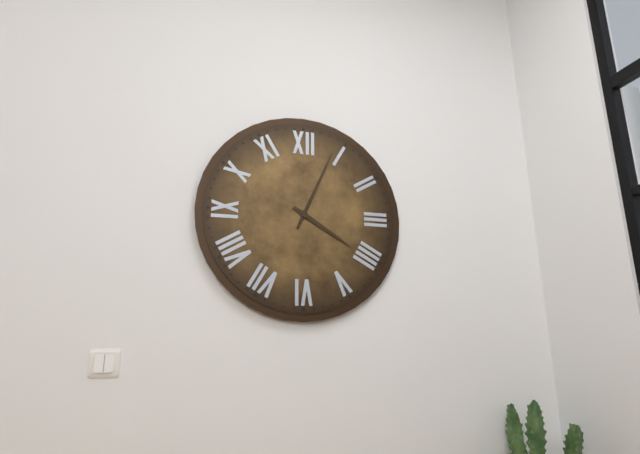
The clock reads 4h04
